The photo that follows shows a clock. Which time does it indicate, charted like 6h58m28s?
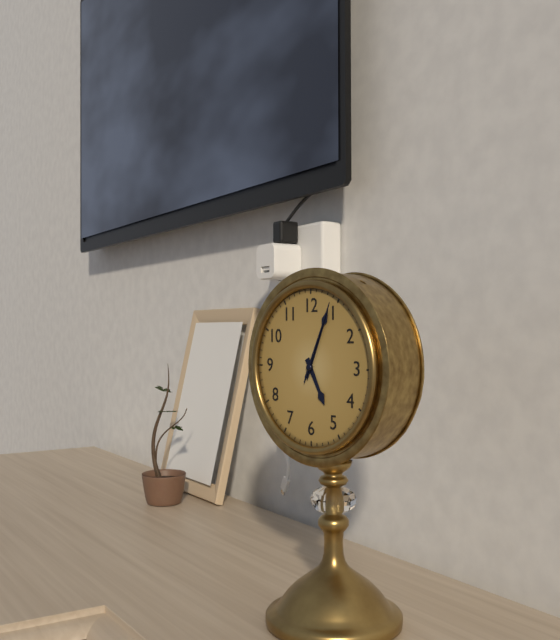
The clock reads 5h04m04s
